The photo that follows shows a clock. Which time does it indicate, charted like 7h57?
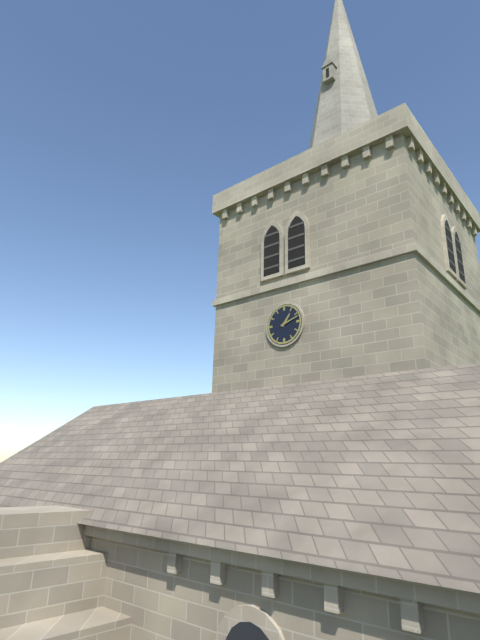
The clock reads 1h12
